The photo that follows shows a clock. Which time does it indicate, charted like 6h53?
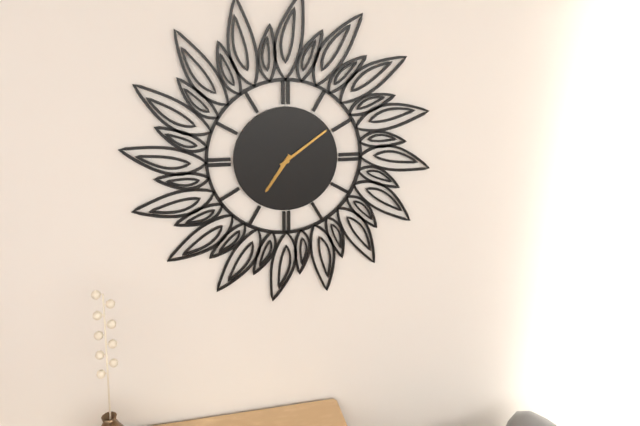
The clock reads 7h09
